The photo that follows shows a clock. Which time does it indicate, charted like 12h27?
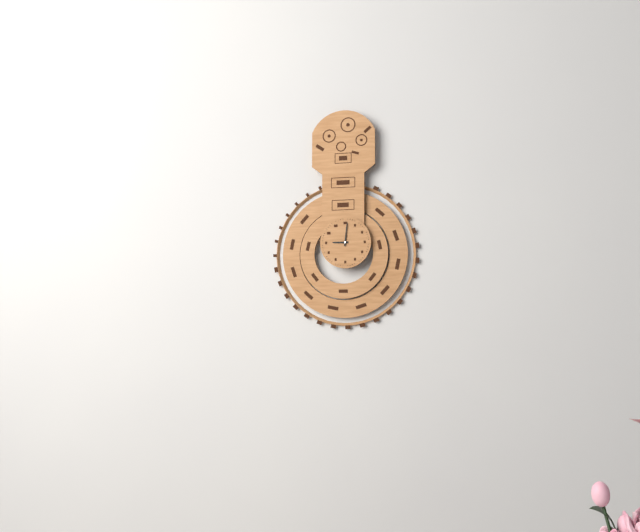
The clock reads 9h01
